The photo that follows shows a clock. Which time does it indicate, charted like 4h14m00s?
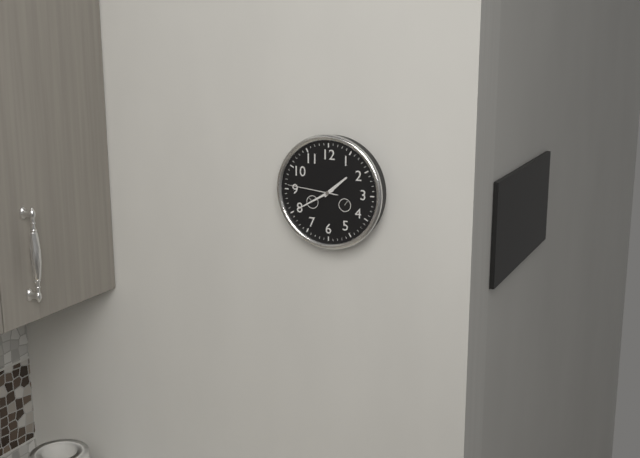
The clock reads 1h40m46s
